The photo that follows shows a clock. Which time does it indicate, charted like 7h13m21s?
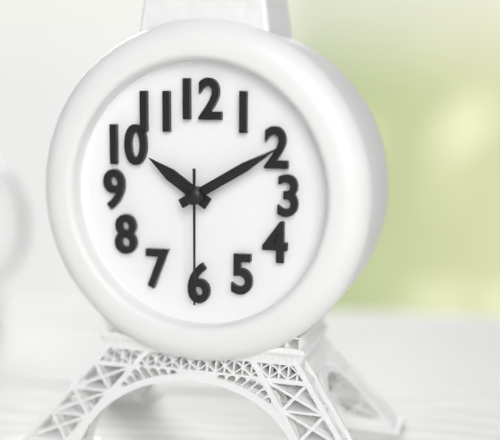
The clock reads 10h10m30s
